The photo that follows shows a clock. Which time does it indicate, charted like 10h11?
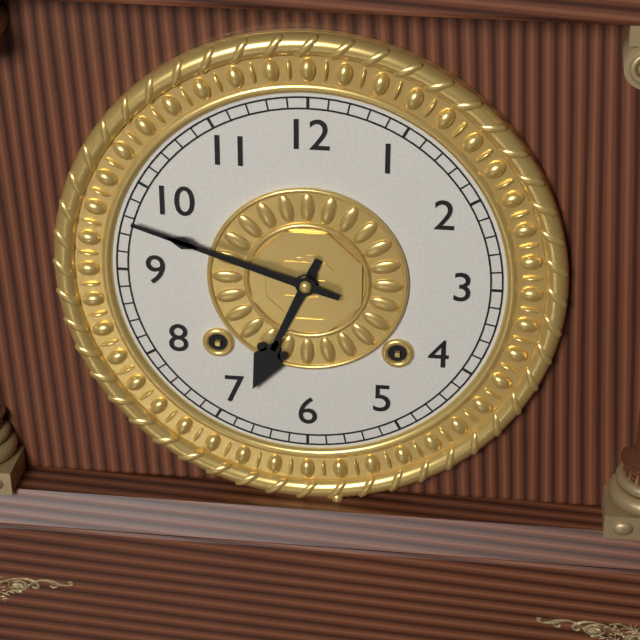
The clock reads 6h48
